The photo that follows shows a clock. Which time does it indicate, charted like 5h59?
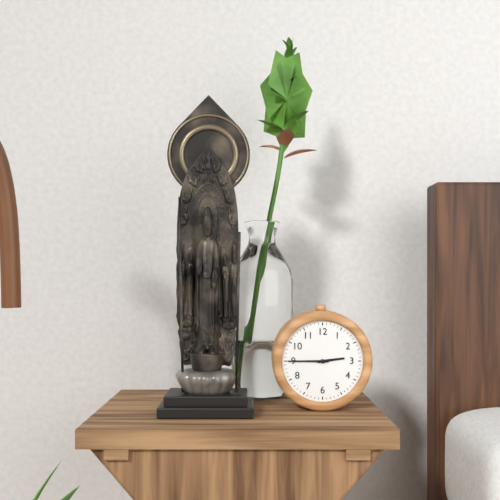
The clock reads 2h45
